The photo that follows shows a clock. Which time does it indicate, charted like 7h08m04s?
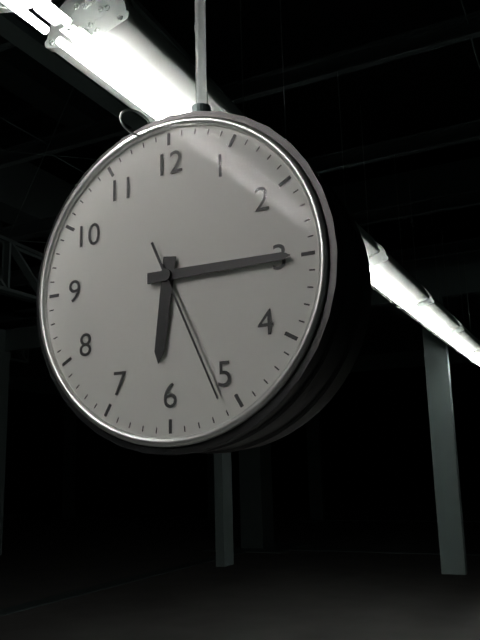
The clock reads 6h15m26s
